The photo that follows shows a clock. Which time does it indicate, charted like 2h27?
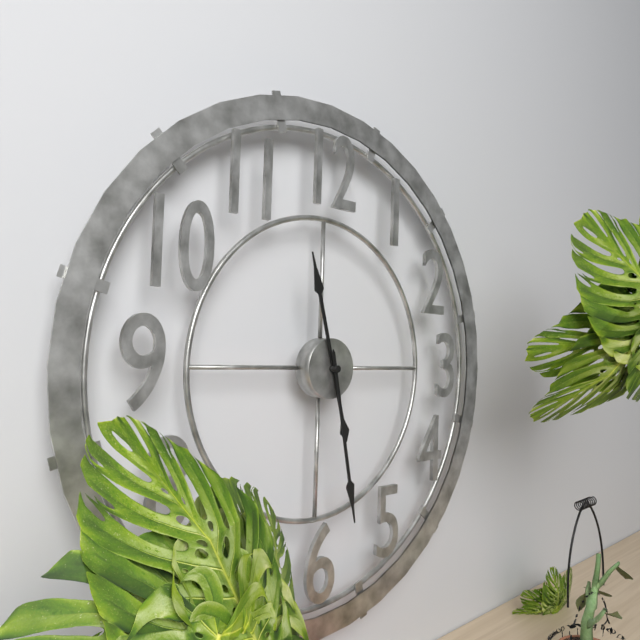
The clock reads 11h28
